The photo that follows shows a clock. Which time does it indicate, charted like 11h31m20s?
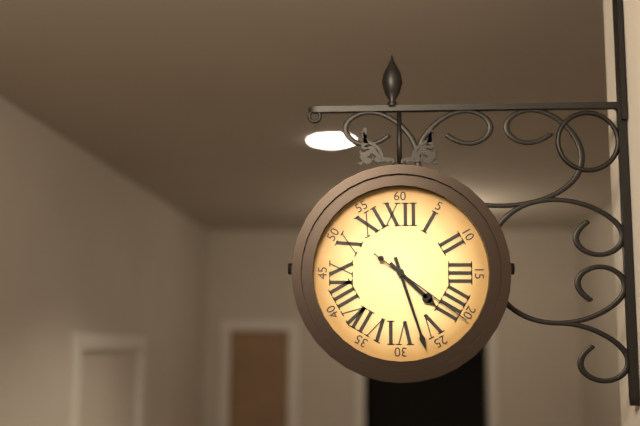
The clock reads 4h27m21s
